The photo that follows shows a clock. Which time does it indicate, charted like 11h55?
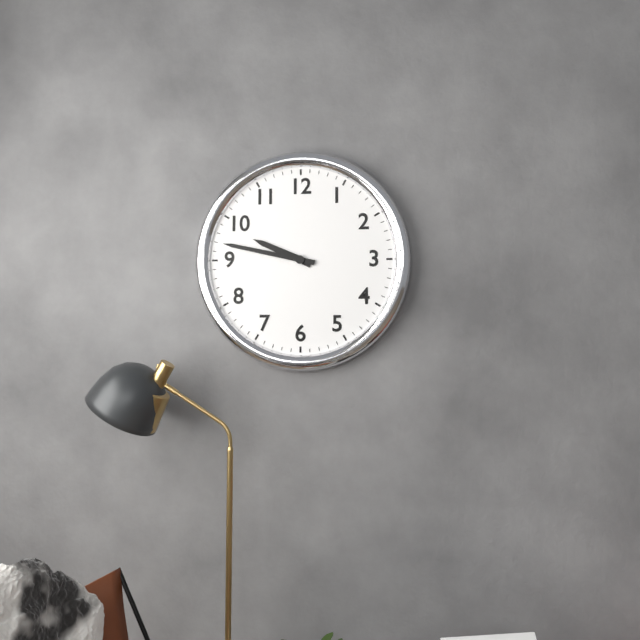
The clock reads 9h47
